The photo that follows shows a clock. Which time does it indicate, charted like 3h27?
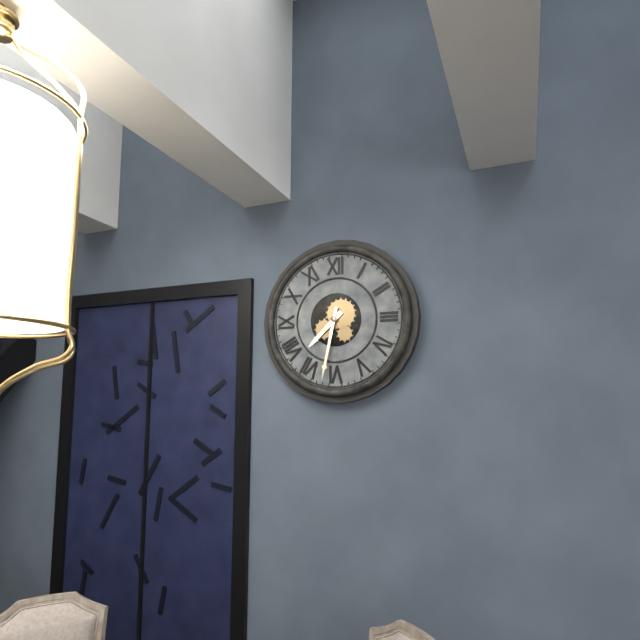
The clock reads 7h32
